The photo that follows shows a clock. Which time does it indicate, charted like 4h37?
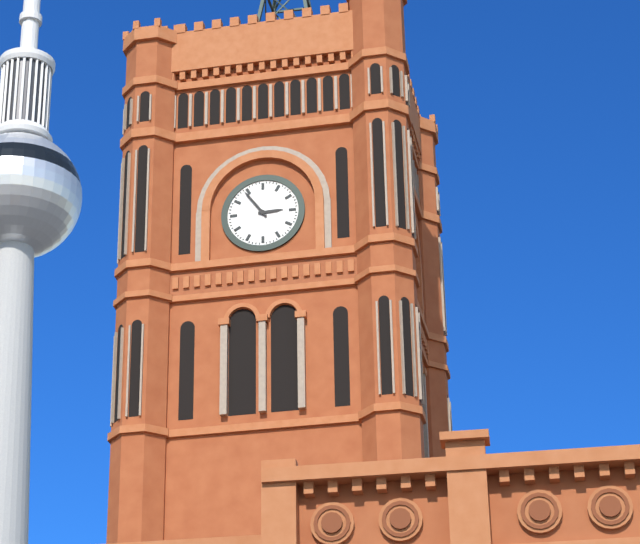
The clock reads 2h54
